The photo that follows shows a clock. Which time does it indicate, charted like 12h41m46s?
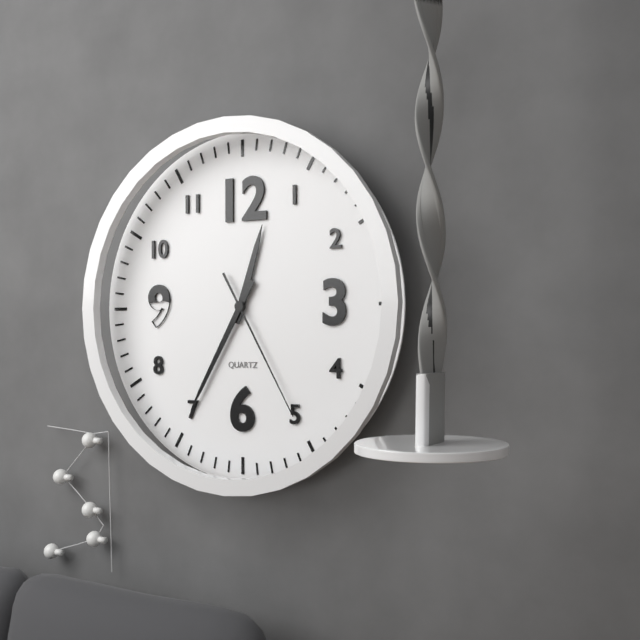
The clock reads 12h35m25s
